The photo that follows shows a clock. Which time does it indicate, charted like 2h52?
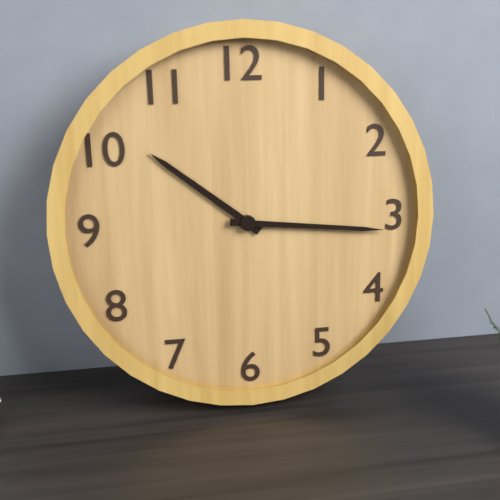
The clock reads 10h16
